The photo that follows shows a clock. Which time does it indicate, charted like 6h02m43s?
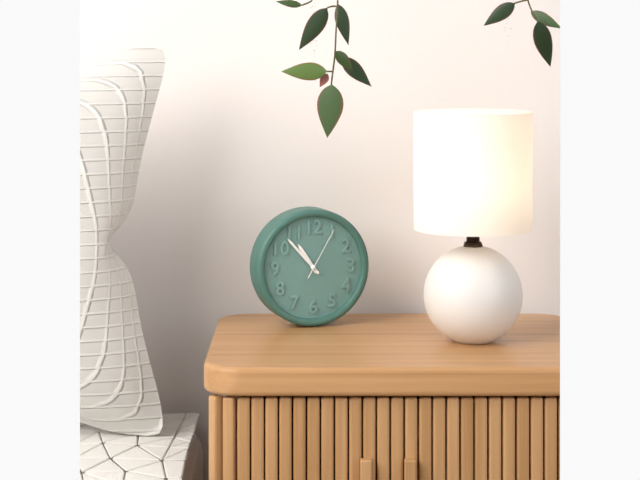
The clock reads 10h53m05s
